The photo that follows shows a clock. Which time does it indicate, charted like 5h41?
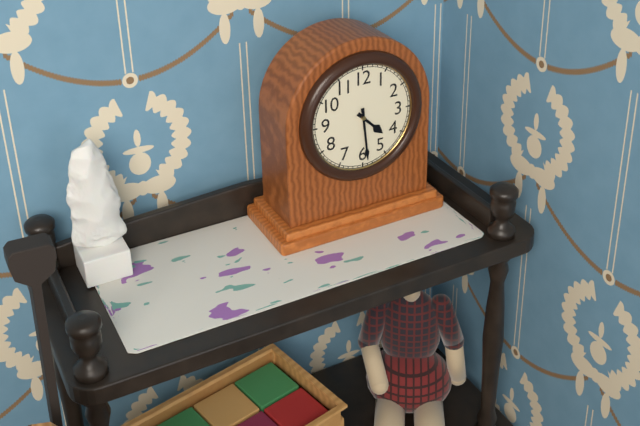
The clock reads 4h29
